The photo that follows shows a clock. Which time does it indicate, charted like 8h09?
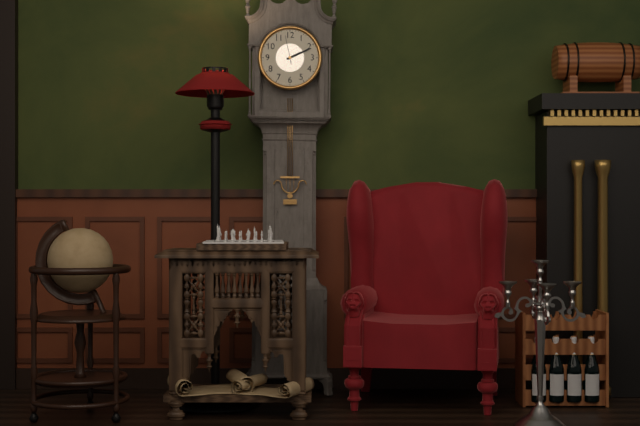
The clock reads 2h11
